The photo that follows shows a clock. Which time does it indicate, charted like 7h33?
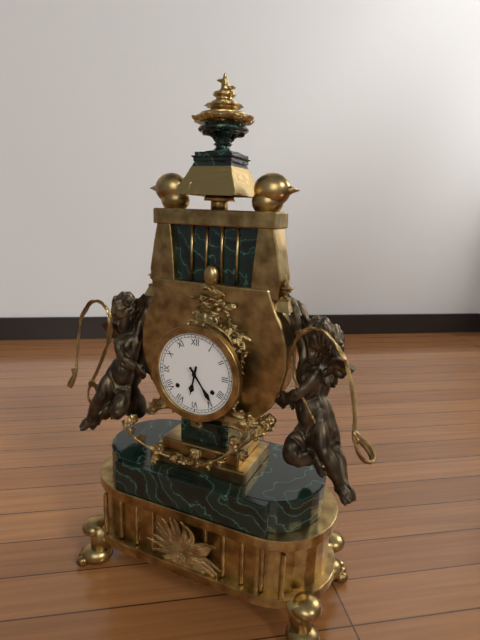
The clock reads 6h24
